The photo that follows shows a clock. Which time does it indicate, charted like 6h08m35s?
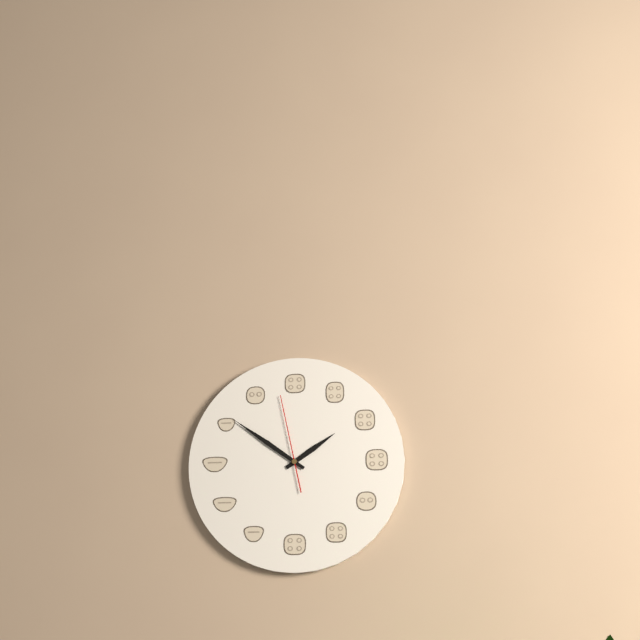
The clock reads 1h51m58s
